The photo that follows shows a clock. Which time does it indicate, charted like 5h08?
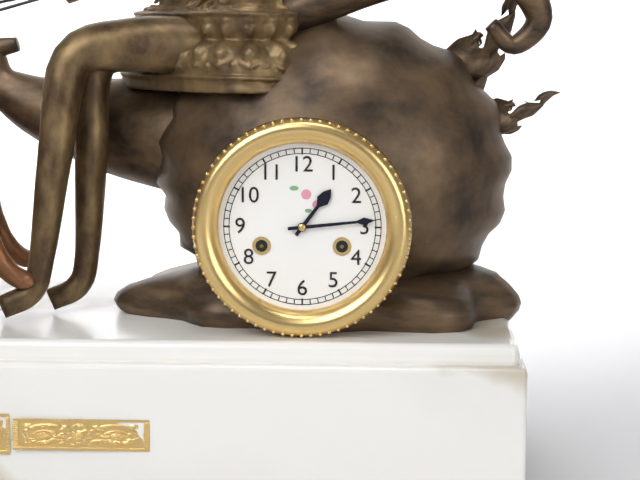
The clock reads 1h14
